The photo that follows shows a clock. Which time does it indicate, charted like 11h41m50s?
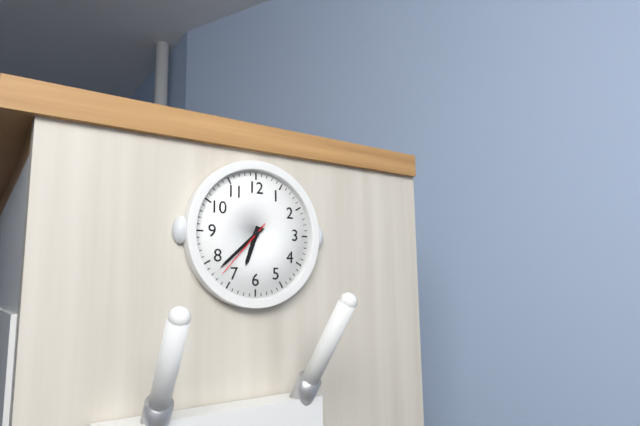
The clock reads 6h38m37s
